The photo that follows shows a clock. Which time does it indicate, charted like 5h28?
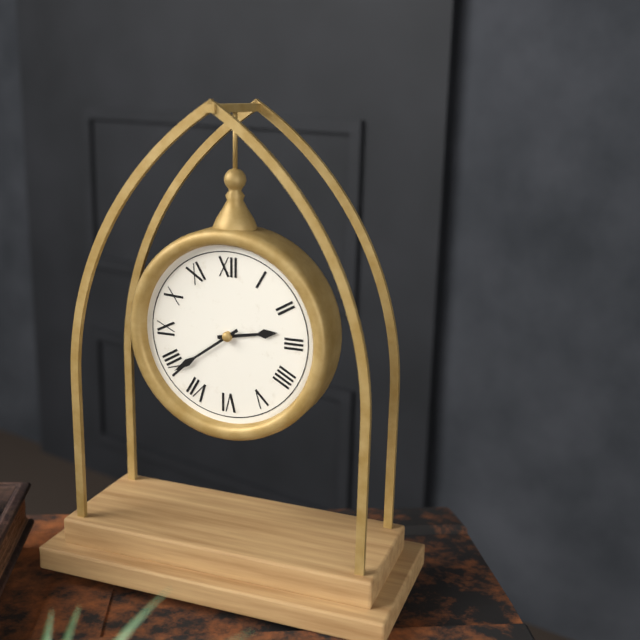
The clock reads 2h39
